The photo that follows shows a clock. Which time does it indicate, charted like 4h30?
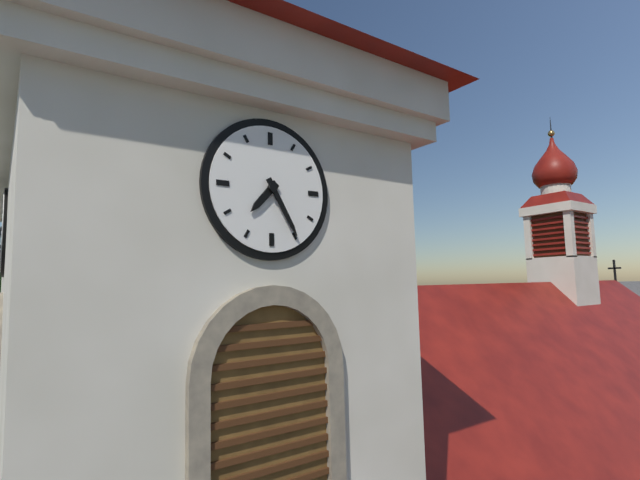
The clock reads 7h25
